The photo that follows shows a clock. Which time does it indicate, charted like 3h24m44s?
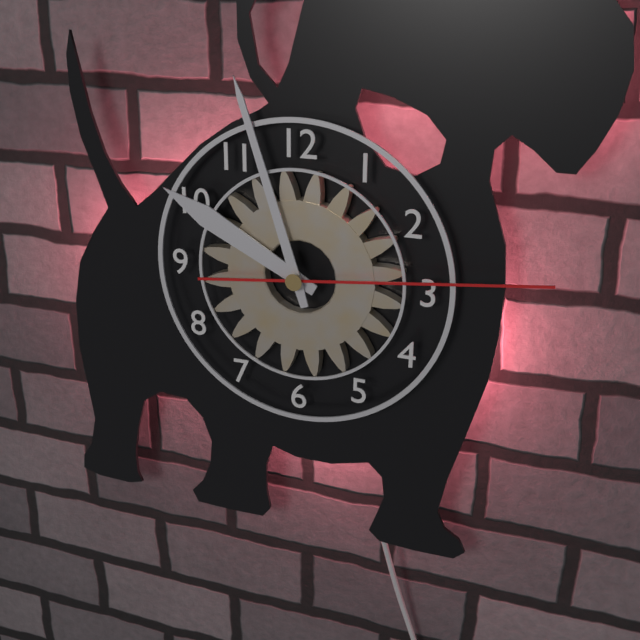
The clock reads 9h57m14s
